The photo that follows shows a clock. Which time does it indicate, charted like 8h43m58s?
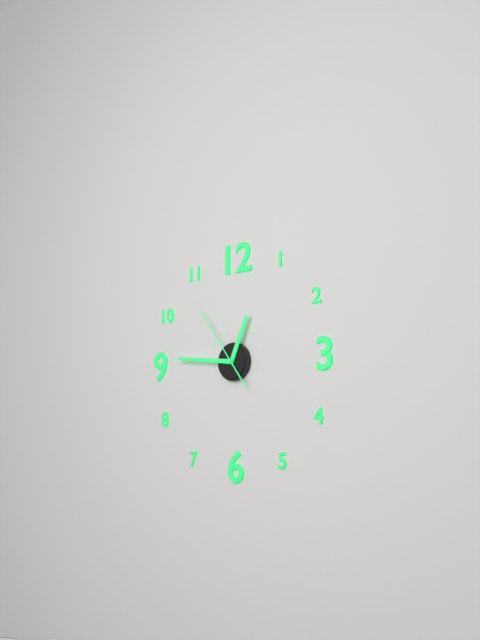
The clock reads 12h46m54s
